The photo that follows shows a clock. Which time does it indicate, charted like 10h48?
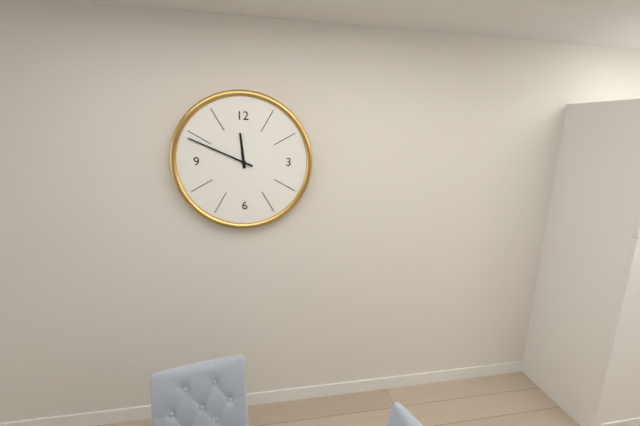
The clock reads 11h49
